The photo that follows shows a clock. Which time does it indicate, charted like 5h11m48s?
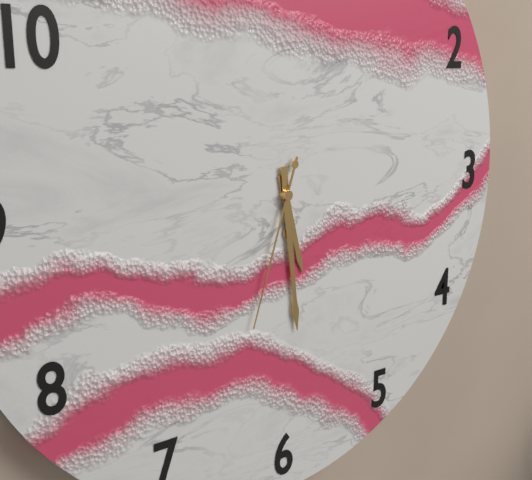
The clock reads 5h29m33s
